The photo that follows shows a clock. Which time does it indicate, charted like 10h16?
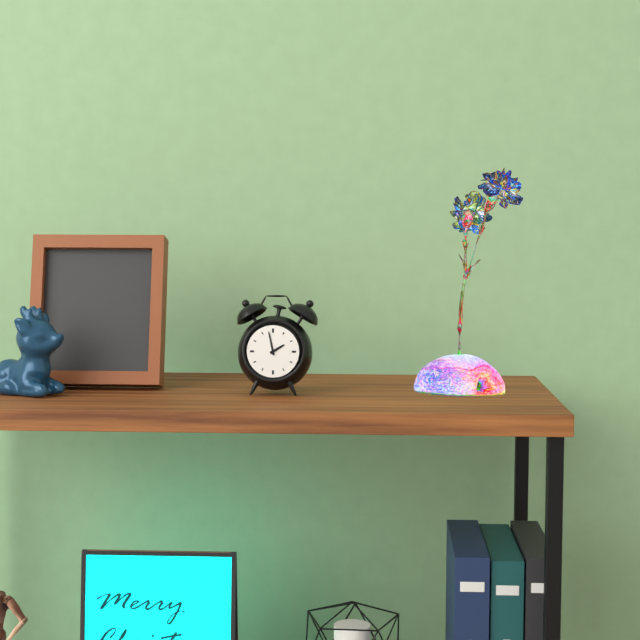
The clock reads 1h58
